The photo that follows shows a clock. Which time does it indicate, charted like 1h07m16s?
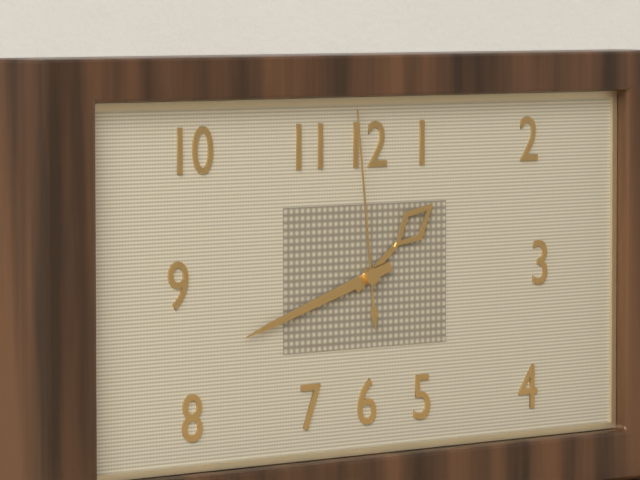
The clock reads 1h42m59s
